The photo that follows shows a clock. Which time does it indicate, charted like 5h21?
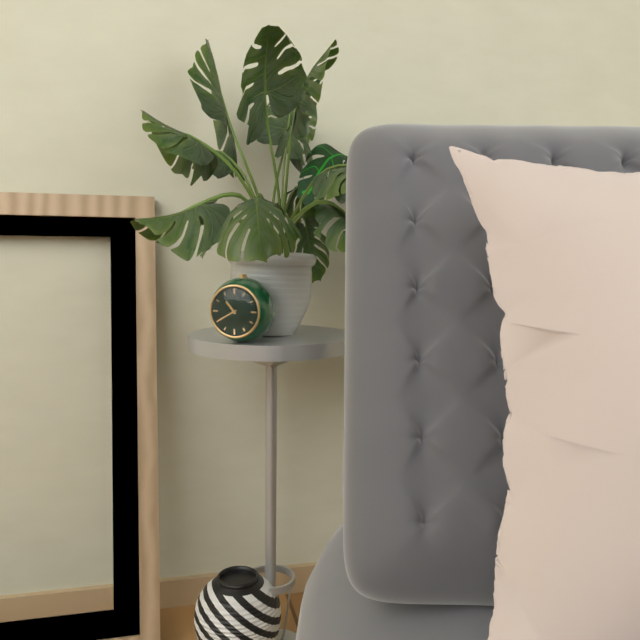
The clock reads 10h40
